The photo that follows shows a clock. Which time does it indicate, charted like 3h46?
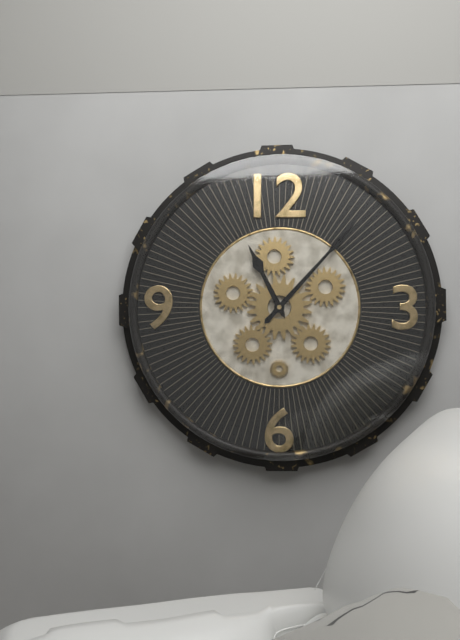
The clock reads 11h07
